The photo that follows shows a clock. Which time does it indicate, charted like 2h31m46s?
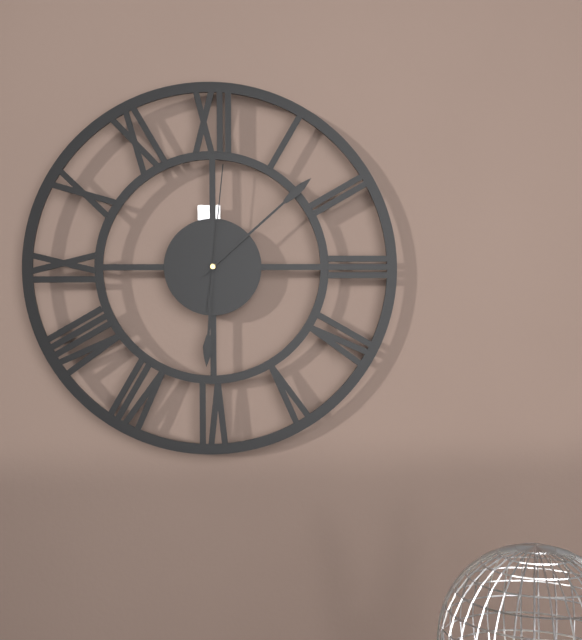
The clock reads 6h08m01s
